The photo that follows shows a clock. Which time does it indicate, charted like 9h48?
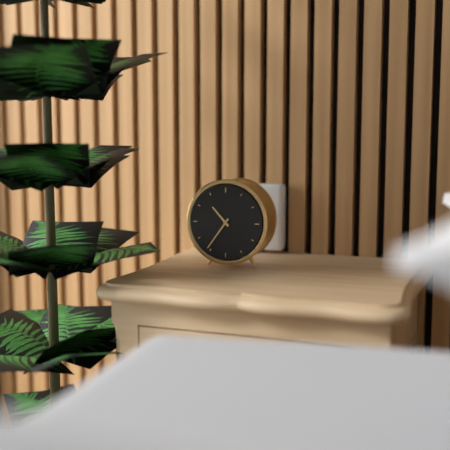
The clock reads 10h36
